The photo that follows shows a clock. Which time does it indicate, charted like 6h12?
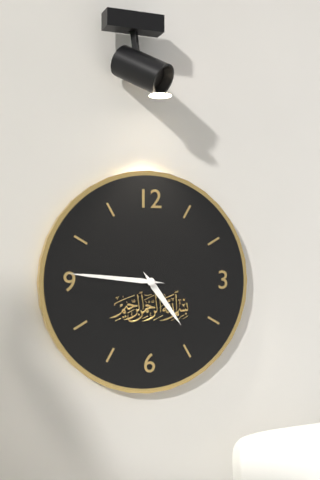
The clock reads 4h46
